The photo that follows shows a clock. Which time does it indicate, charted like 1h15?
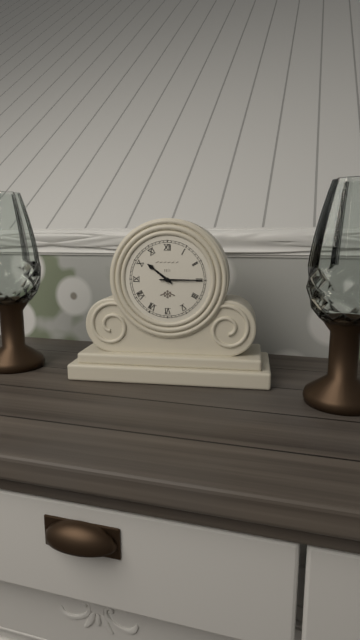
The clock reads 10h15
